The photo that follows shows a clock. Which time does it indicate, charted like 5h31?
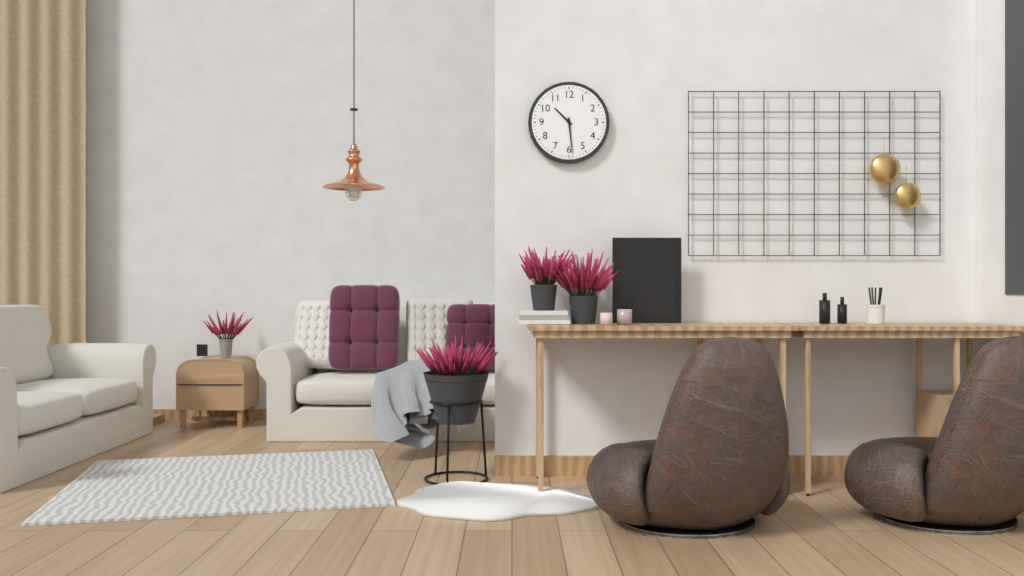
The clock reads 10h29
